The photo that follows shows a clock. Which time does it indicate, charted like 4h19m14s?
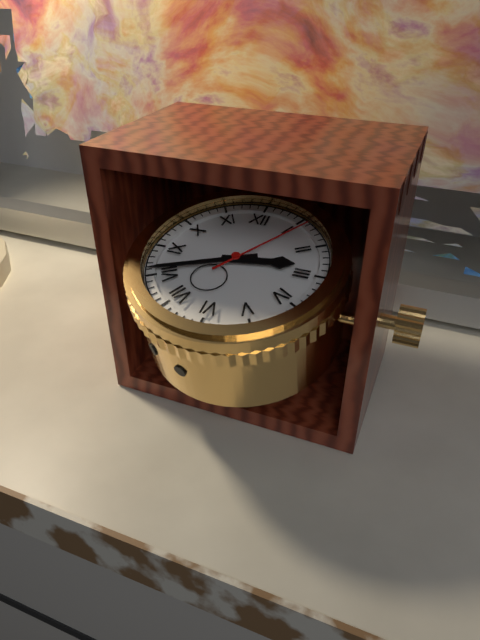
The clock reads 2h41m06s
